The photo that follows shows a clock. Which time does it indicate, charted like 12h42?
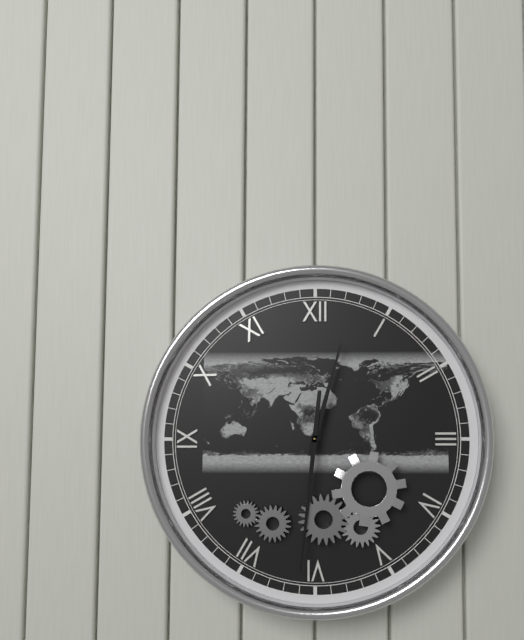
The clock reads 12h31
